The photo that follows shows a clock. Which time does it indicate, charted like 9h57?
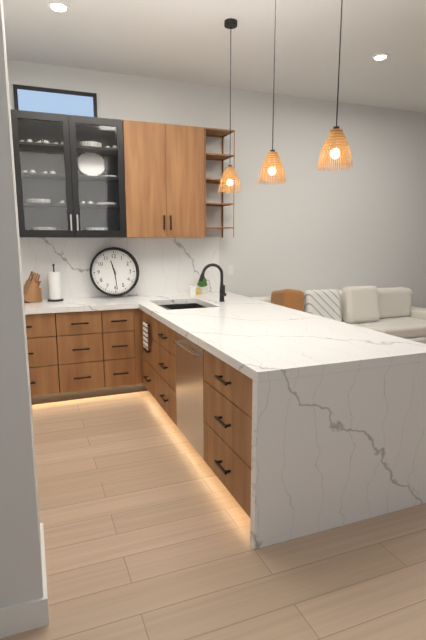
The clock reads 11h29
